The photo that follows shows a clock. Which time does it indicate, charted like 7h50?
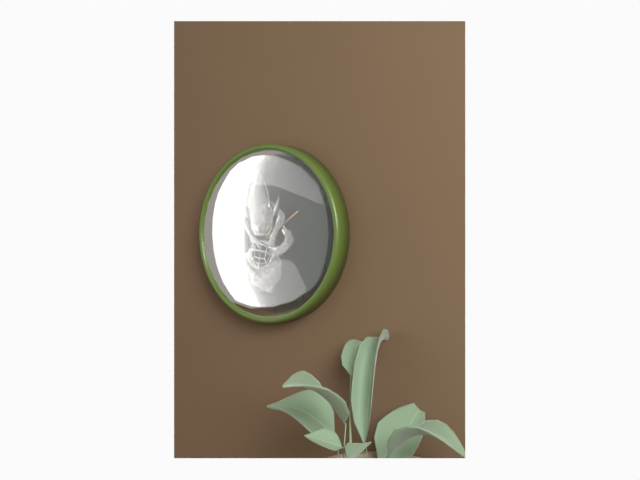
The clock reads 1h53
